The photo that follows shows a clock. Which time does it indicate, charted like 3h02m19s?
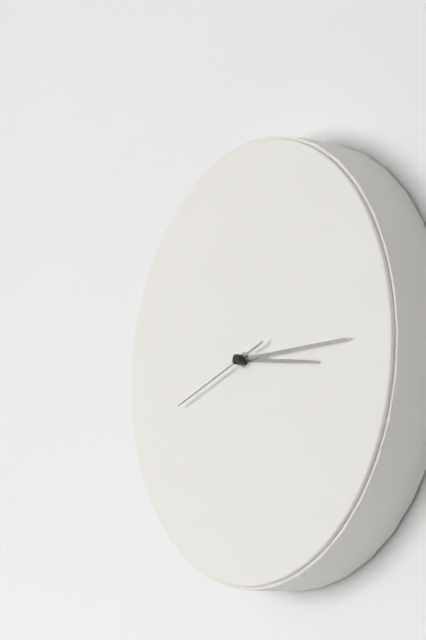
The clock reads 3h15m42s
